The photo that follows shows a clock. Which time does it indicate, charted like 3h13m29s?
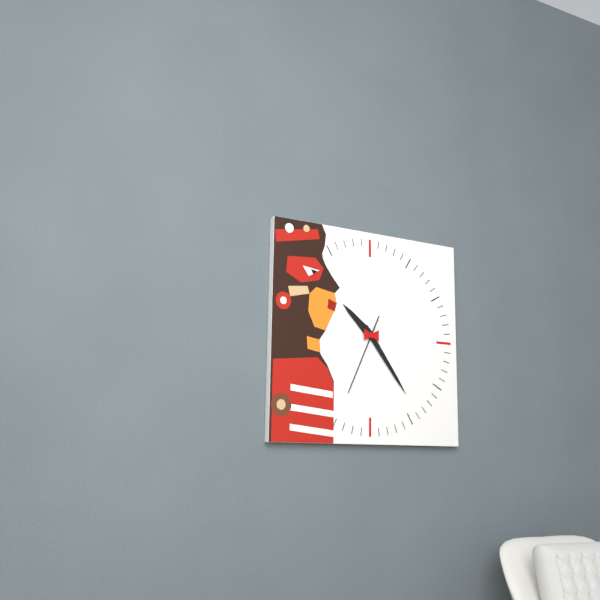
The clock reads 10h24m34s
